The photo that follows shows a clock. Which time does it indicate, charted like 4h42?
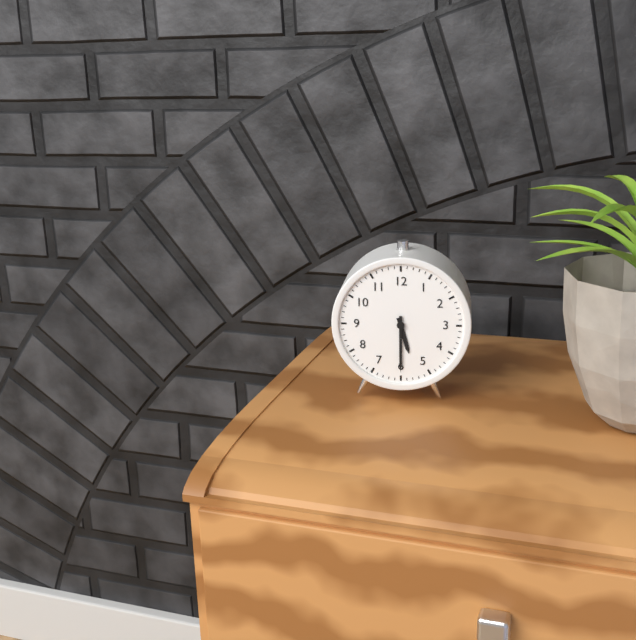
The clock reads 5h30
